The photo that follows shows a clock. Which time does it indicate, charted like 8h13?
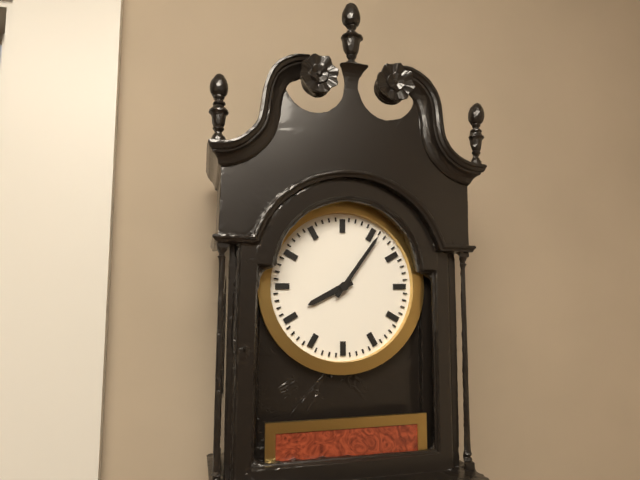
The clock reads 8h06
